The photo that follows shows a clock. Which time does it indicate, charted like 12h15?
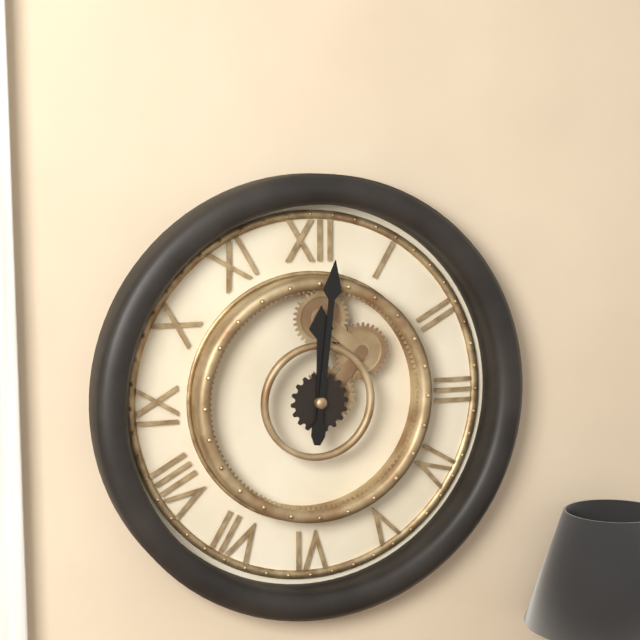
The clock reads 12h01
